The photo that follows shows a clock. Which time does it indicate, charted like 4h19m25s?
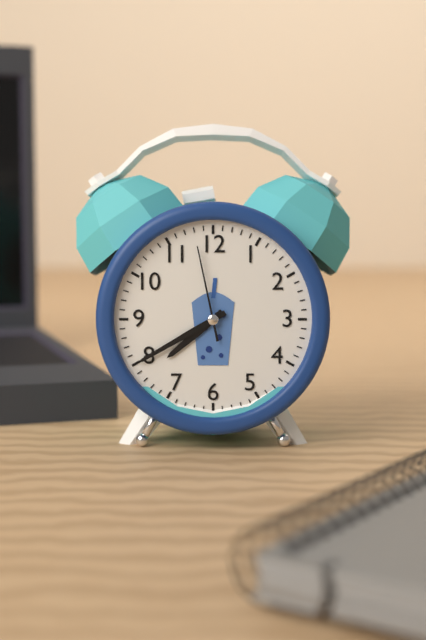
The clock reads 7h40m58s
